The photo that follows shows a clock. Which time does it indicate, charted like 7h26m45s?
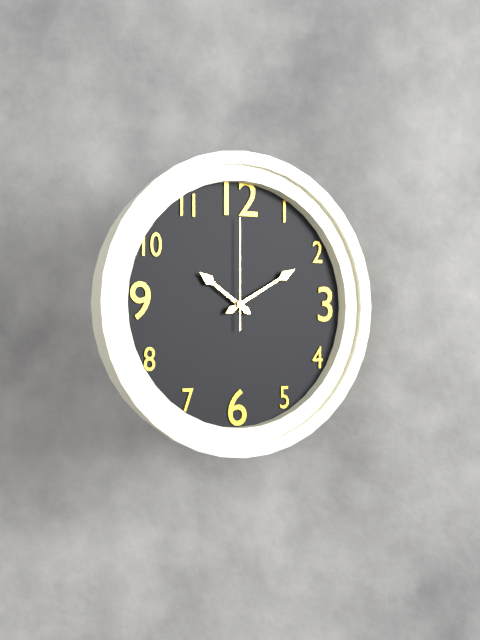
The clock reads 10h10m00s
